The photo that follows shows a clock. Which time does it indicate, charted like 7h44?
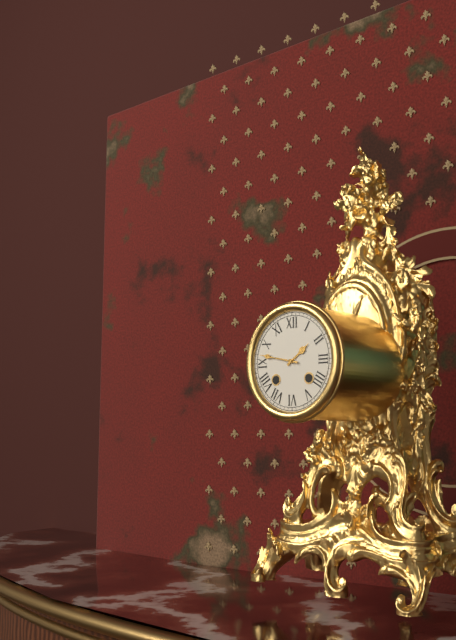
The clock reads 1h47
